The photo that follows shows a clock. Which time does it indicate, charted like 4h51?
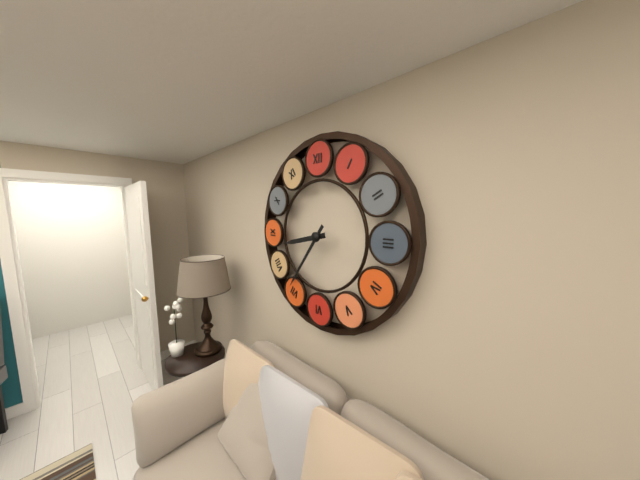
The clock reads 8h36
